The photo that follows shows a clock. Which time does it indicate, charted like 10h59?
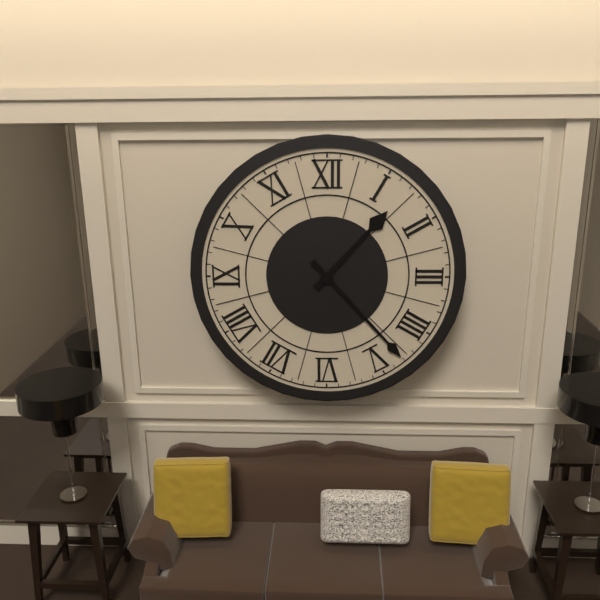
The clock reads 1h23
